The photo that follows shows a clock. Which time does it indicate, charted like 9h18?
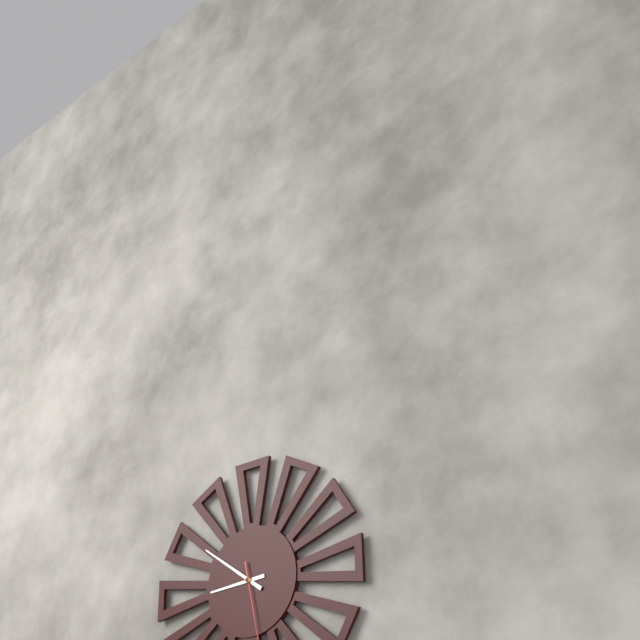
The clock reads 8h51
